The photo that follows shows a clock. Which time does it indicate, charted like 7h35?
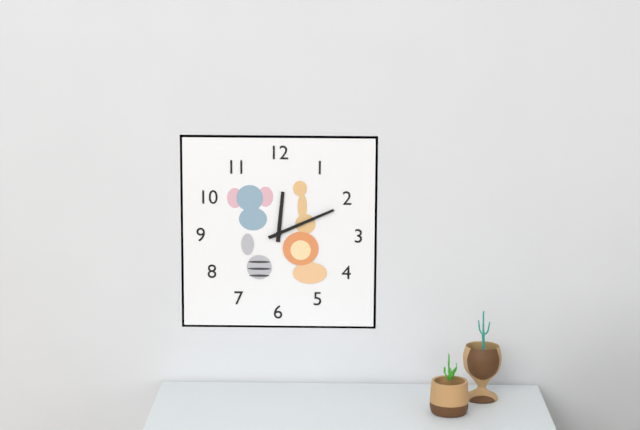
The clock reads 12h11
